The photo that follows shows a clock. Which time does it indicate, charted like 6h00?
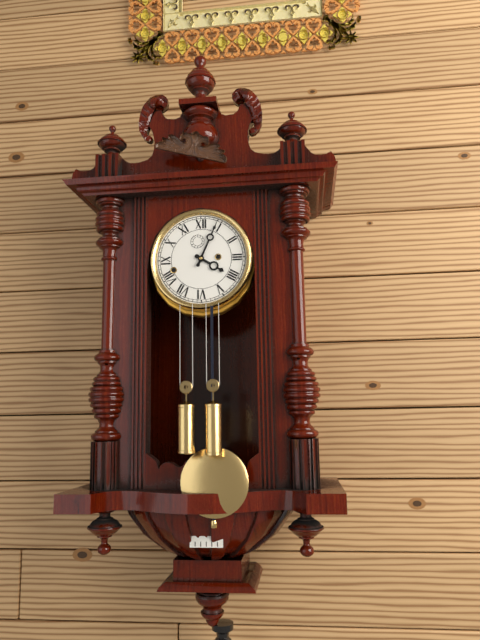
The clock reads 4h04
